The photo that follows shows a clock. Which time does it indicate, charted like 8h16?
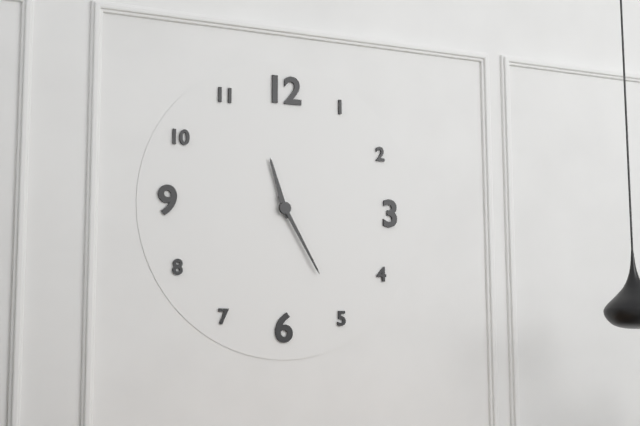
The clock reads 11h25
